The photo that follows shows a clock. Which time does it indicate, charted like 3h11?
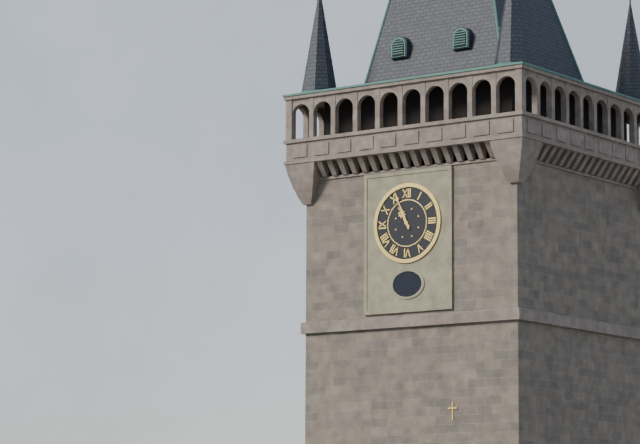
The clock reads 10h56
